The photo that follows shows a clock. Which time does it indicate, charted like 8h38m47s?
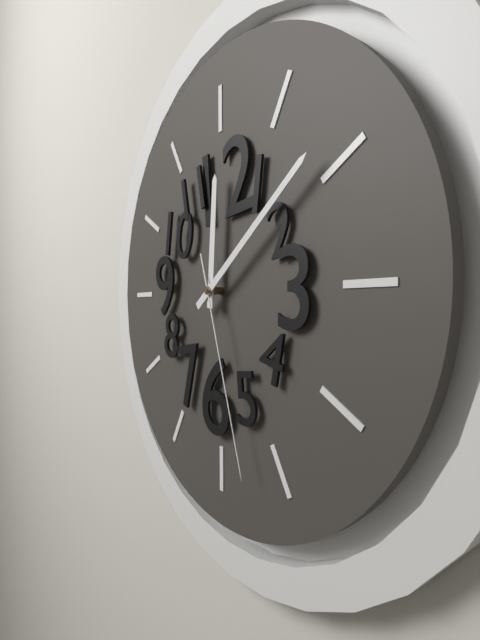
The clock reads 12h09m27s
